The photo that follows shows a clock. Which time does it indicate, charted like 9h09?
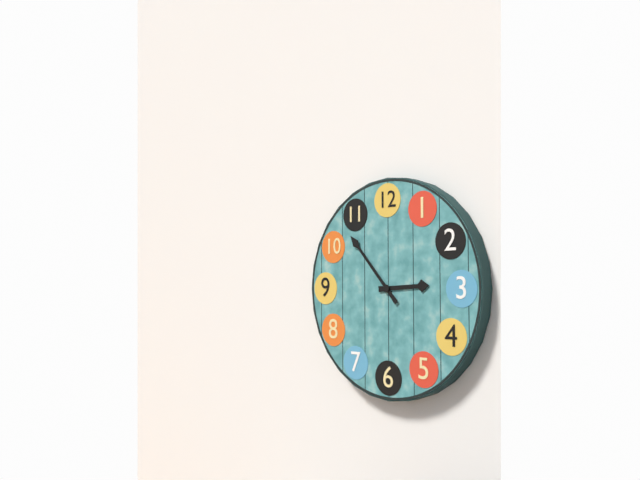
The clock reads 2h53
